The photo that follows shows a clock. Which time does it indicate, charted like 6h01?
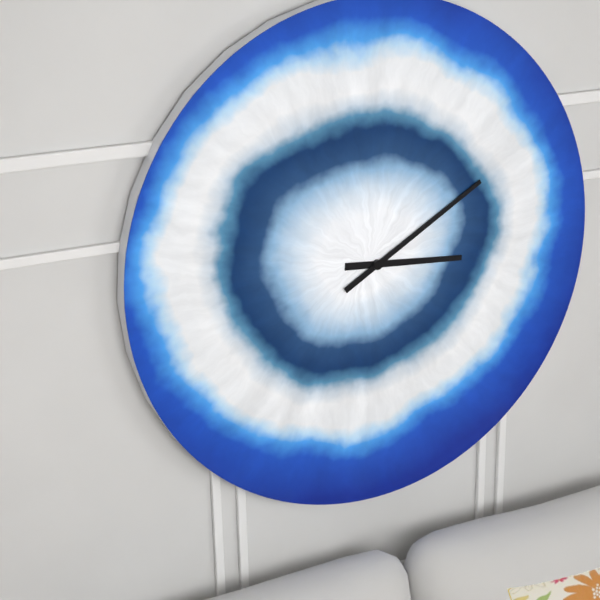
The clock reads 3h10
